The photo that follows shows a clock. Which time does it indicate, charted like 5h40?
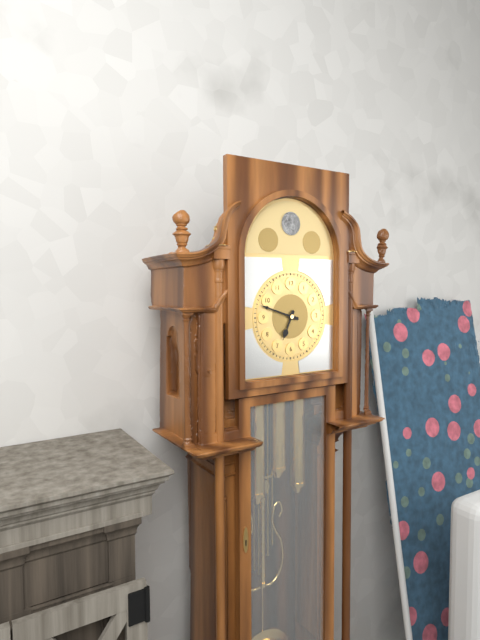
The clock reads 6h48
